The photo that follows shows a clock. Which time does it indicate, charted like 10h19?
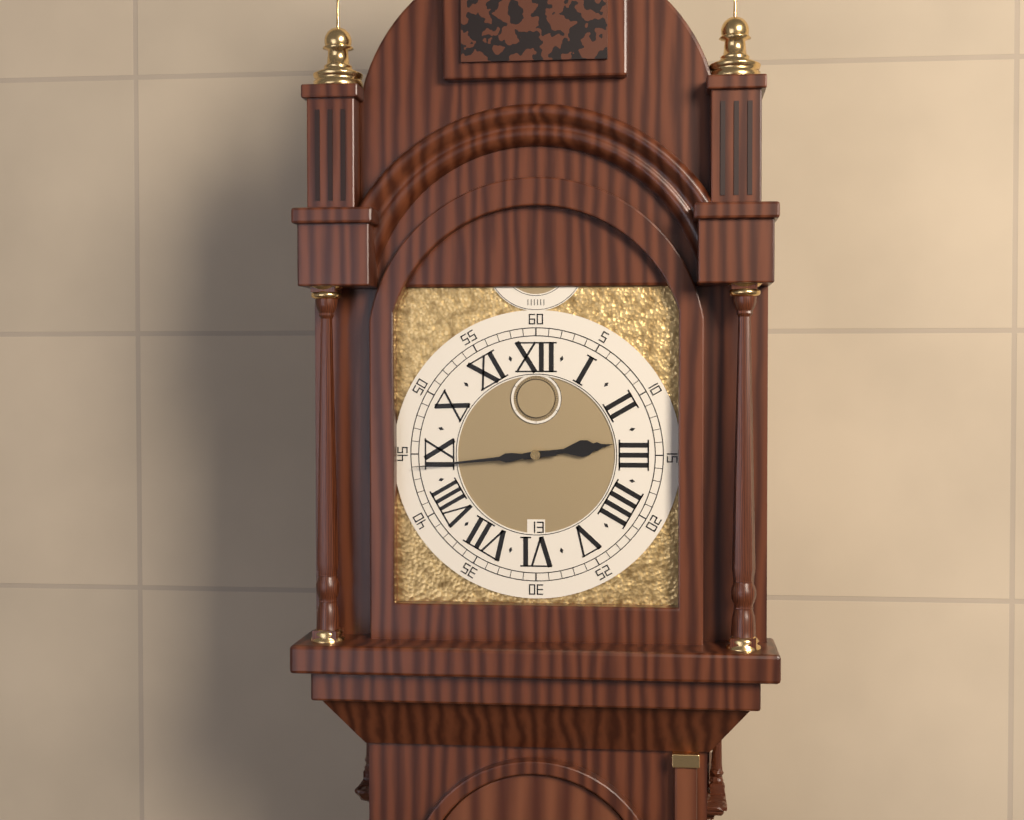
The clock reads 2h44
